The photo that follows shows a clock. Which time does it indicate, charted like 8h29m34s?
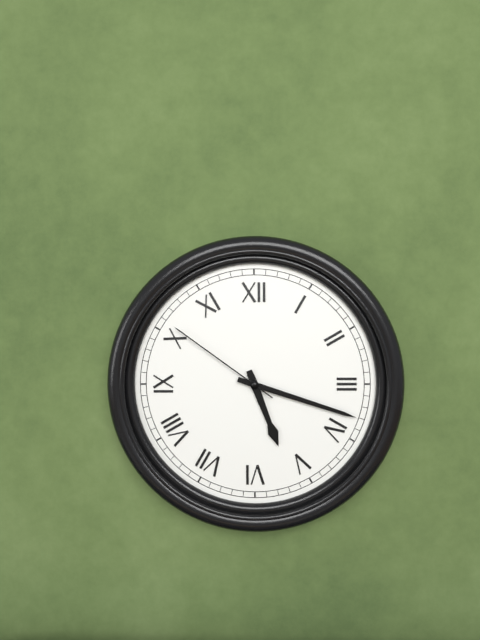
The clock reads 5h18m51s
